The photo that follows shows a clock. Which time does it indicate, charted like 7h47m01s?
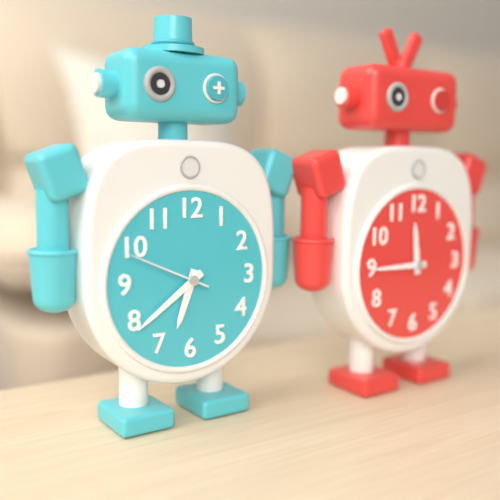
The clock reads 6h39m49s
